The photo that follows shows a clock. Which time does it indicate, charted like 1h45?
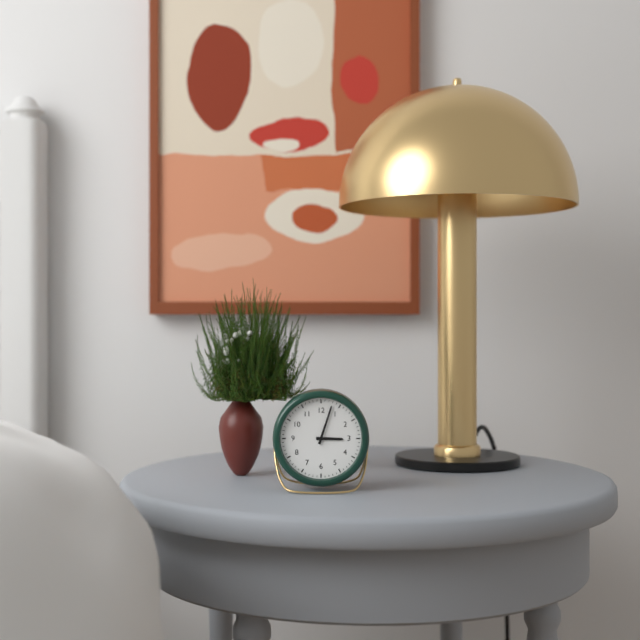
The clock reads 3h03
